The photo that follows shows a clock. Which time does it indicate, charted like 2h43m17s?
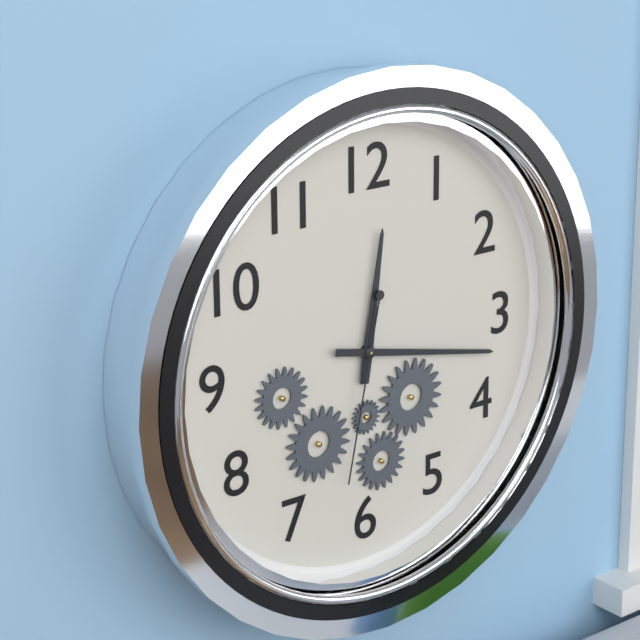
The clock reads 12h17m32s
